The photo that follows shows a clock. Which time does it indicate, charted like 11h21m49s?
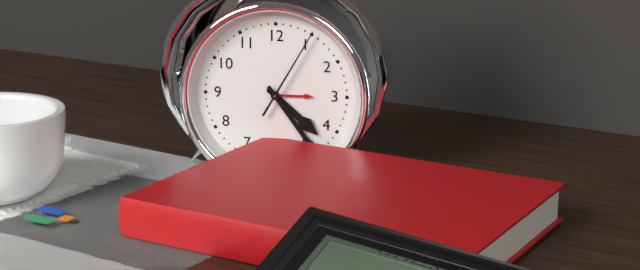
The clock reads 4h24m05s
